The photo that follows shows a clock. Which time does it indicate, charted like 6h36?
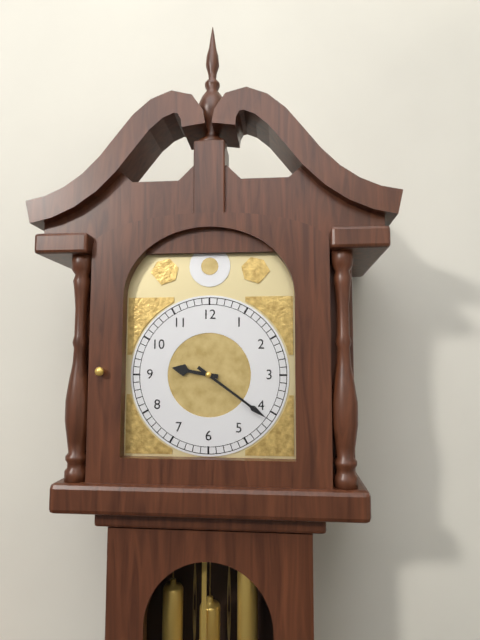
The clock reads 9h21
